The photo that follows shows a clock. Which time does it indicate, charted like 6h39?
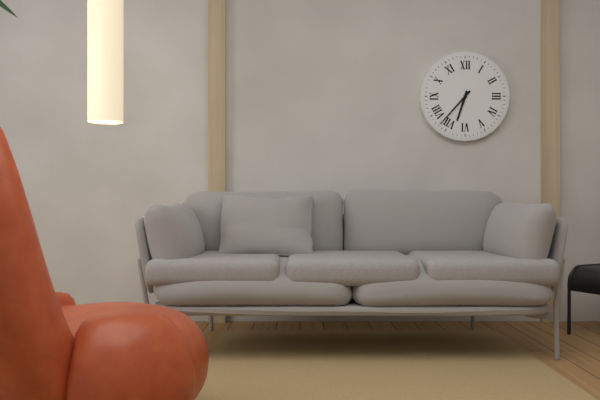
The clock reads 6h37
